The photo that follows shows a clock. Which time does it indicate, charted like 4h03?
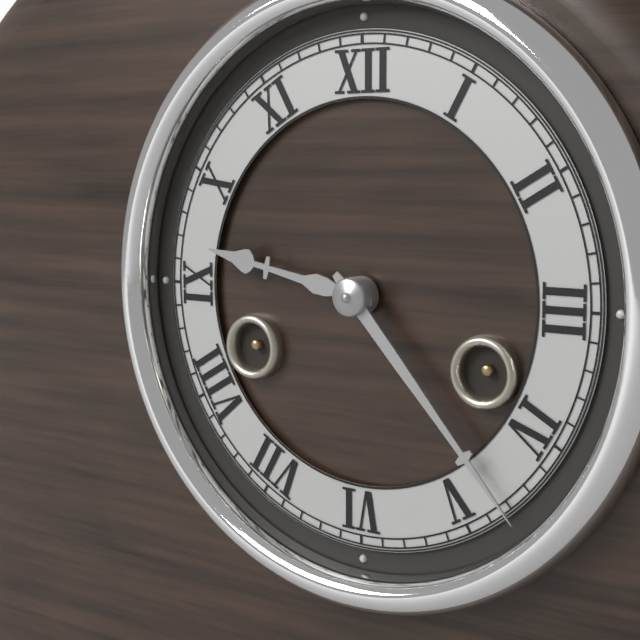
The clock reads 9h23
